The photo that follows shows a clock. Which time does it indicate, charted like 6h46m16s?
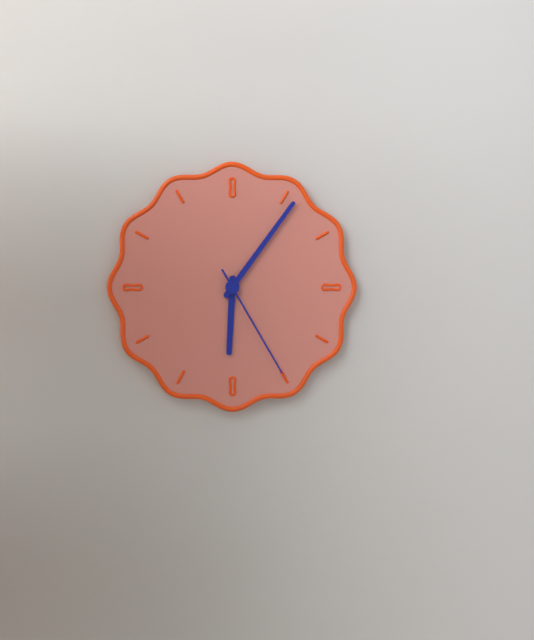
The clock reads 6h06m25s
